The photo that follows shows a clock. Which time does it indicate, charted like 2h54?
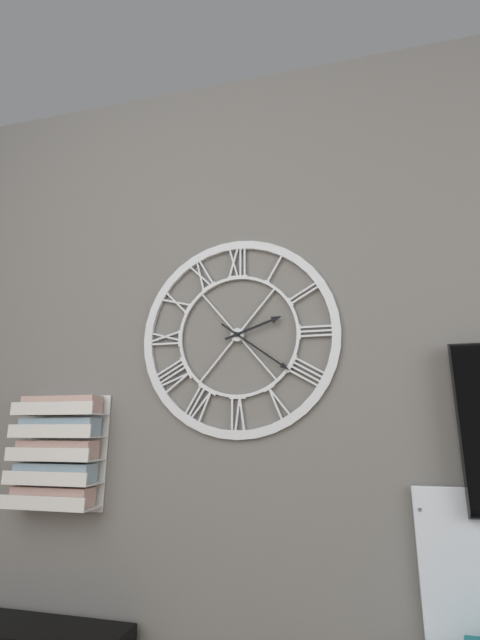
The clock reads 2h21
